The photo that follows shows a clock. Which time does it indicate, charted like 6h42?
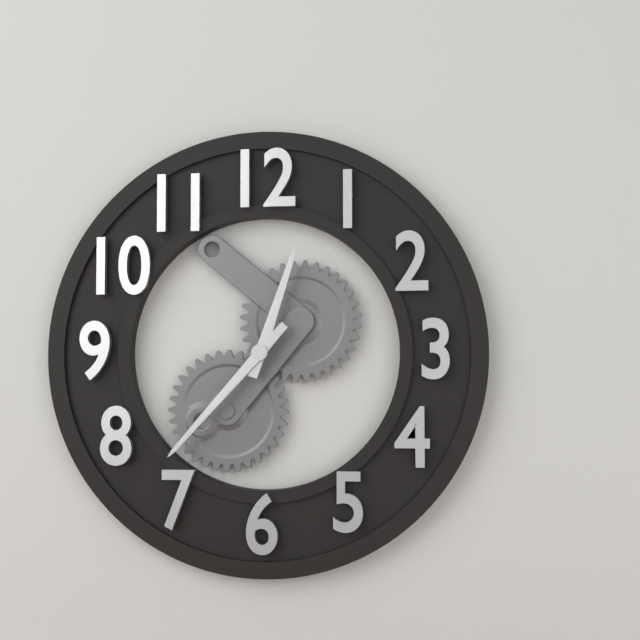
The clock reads 12h37
